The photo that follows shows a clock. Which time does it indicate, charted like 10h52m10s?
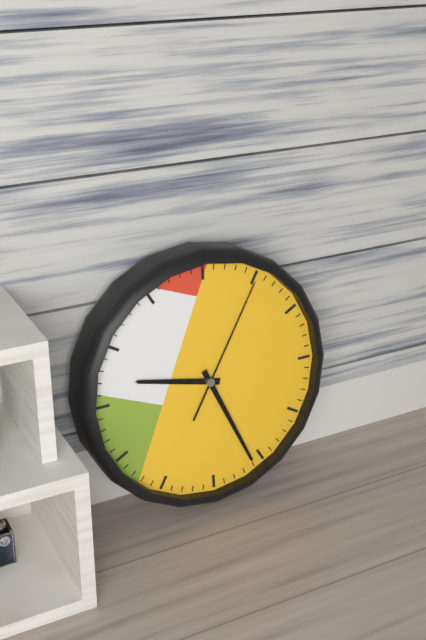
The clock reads 9h26m05s
